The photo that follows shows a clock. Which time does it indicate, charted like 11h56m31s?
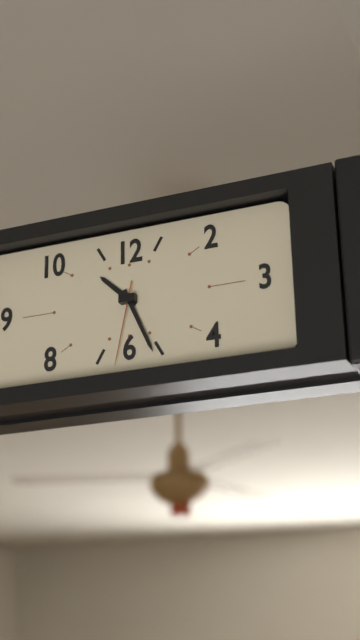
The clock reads 10h26m32s
